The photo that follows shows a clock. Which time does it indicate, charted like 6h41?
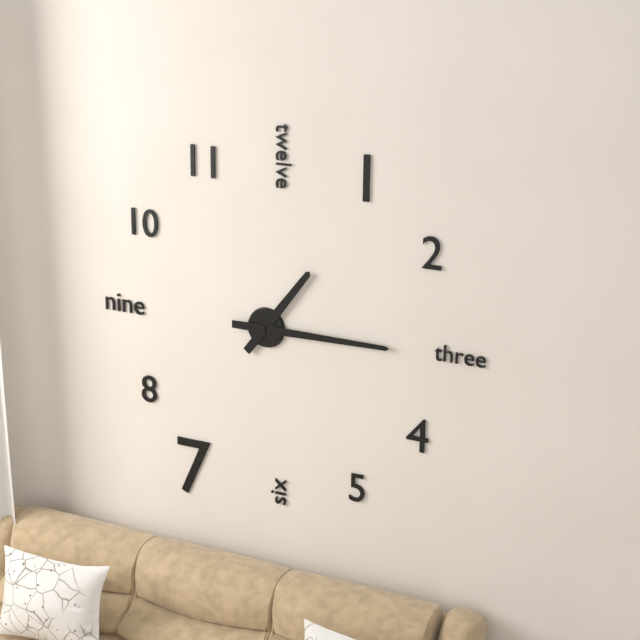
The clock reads 1h15
